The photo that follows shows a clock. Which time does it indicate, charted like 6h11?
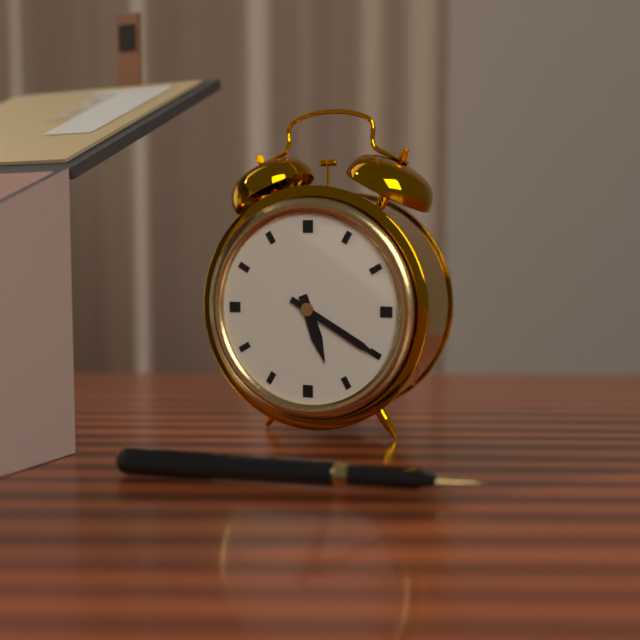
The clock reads 5h20
